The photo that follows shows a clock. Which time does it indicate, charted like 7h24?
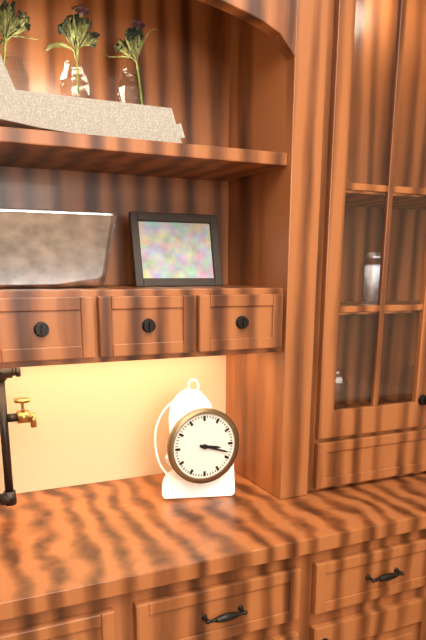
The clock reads 3h18
